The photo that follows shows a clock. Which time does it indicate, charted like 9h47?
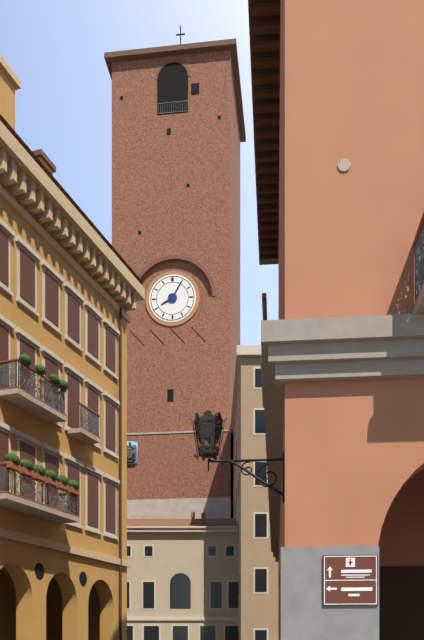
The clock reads 8h05
